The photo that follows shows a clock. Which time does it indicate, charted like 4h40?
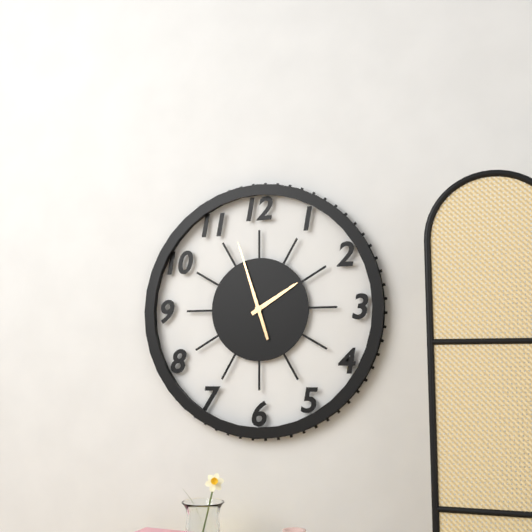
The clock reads 1h57
